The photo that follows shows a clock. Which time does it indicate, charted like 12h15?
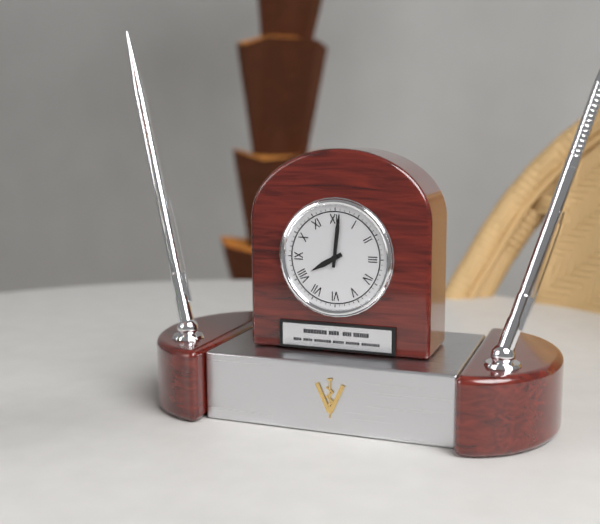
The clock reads 8h01
